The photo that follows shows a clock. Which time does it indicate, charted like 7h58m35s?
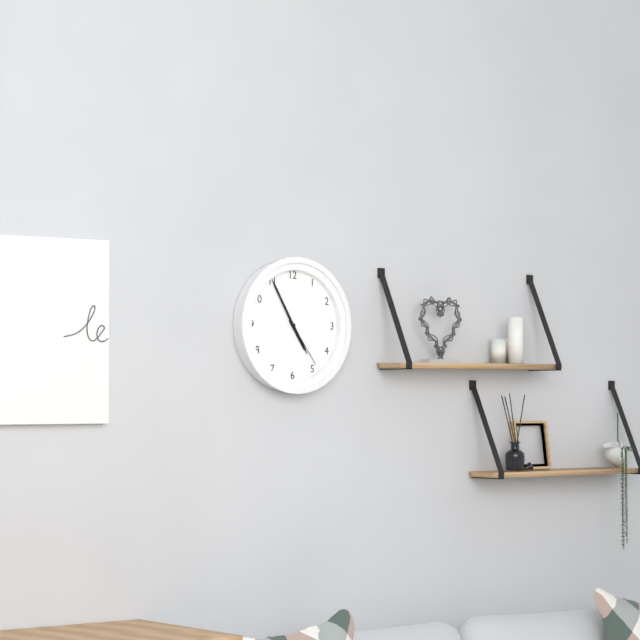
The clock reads 4h55m24s
